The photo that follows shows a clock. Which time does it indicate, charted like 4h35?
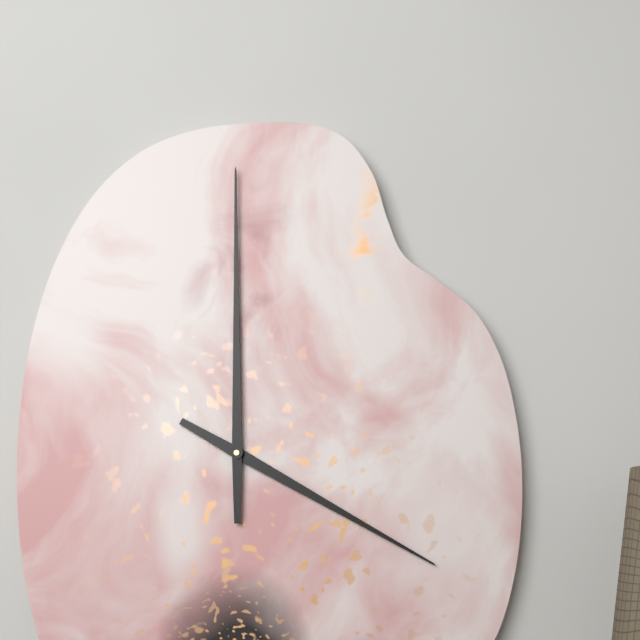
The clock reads 4h00
